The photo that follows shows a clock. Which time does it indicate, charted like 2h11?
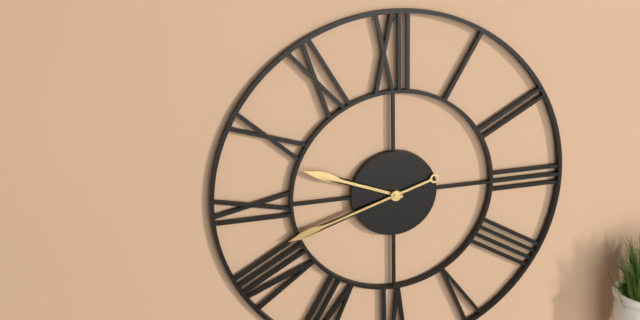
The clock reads 9h42
